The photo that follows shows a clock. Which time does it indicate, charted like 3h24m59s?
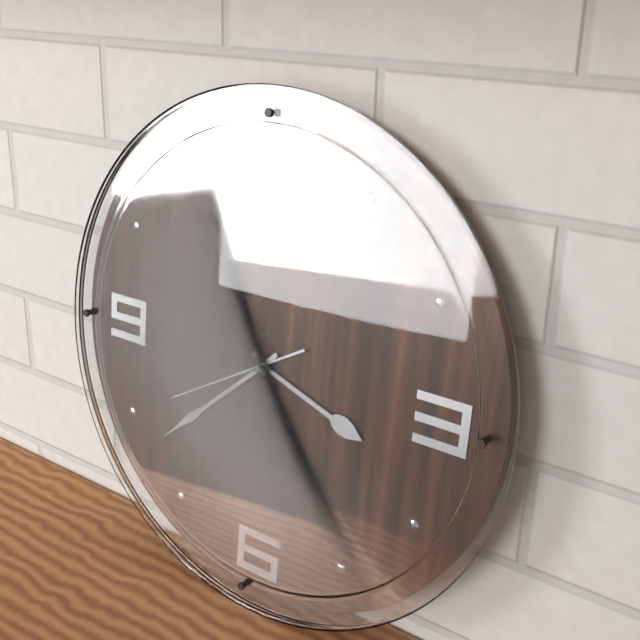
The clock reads 3h38m40s
